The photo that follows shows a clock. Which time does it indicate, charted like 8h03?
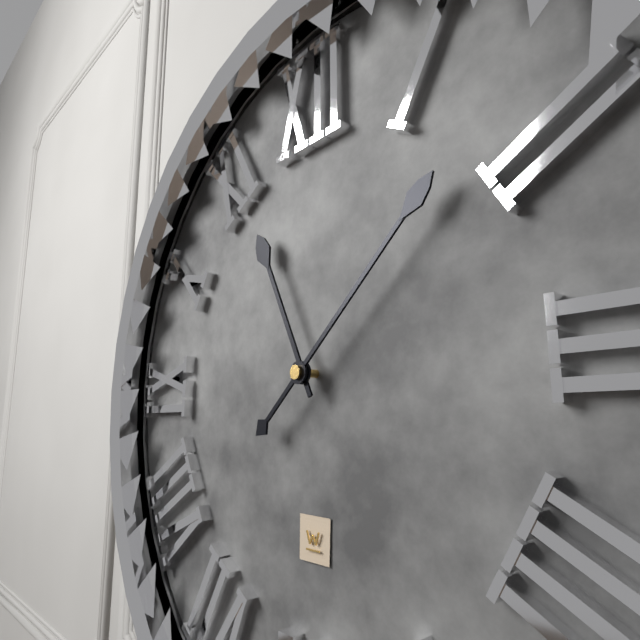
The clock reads 11h08
